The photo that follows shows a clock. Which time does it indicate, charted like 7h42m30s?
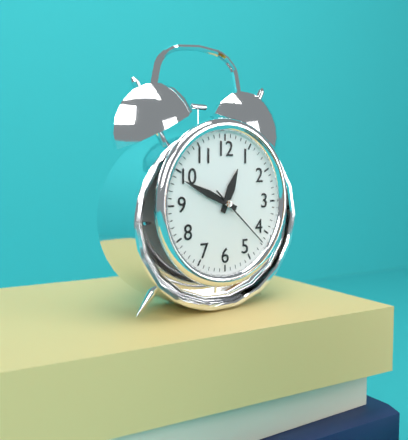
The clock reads 12h49m22s
